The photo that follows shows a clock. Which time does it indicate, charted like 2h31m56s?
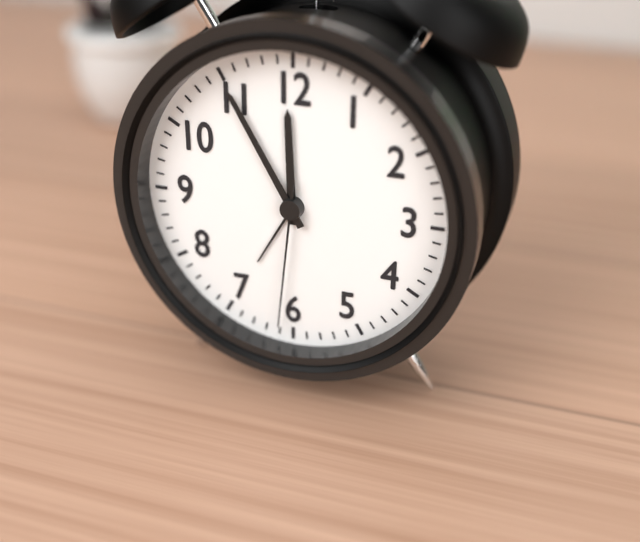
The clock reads 11h55m31s
